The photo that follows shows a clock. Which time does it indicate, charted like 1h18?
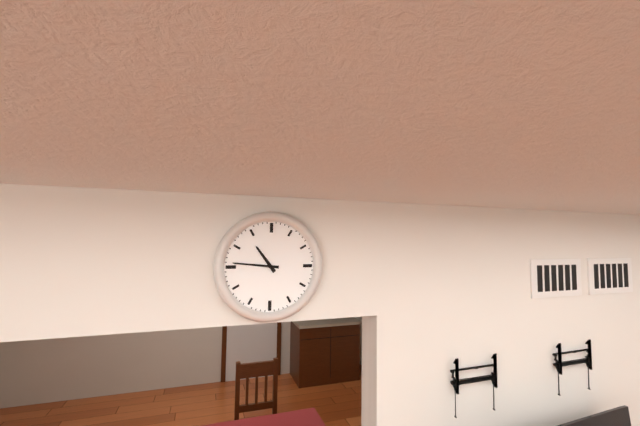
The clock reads 10h46
